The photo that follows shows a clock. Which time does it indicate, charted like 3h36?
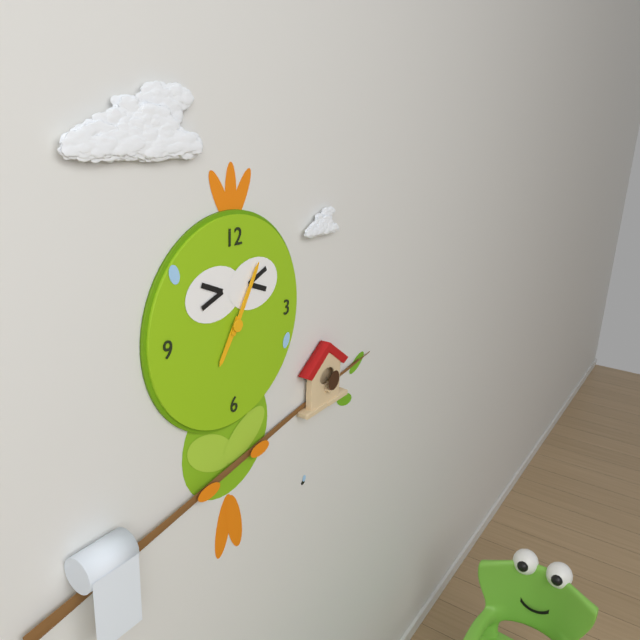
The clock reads 7h05
